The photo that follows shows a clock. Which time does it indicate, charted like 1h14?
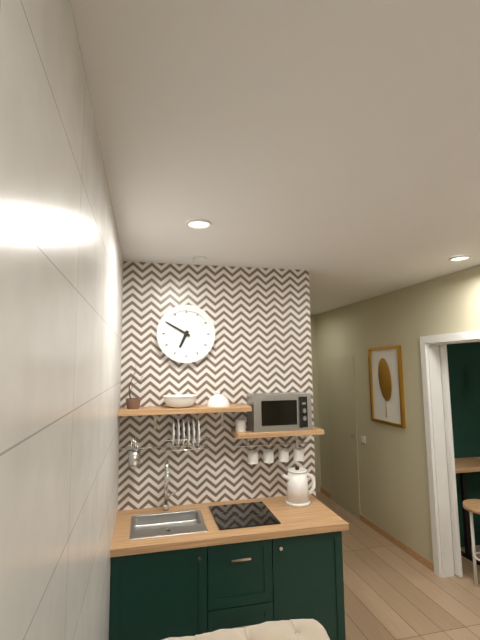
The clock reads 6h50
